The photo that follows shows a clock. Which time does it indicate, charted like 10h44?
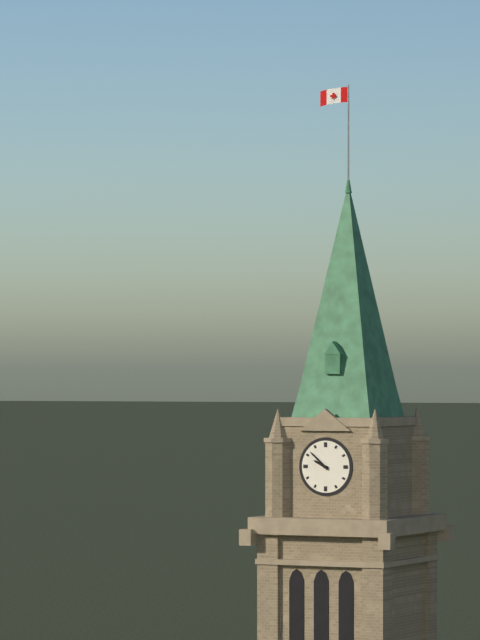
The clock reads 9h52
